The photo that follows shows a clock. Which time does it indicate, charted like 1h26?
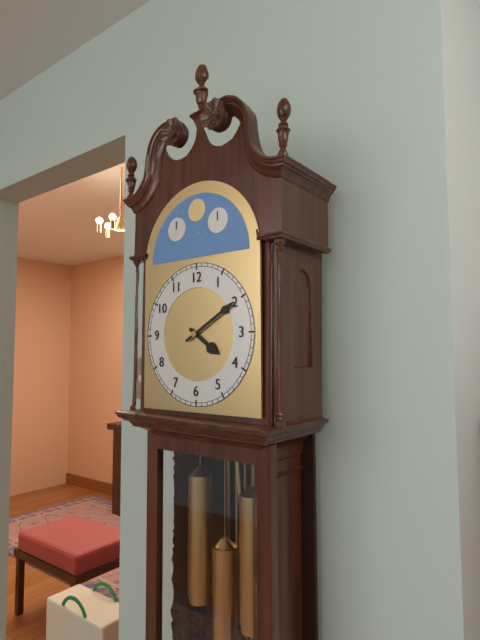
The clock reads 4h10
